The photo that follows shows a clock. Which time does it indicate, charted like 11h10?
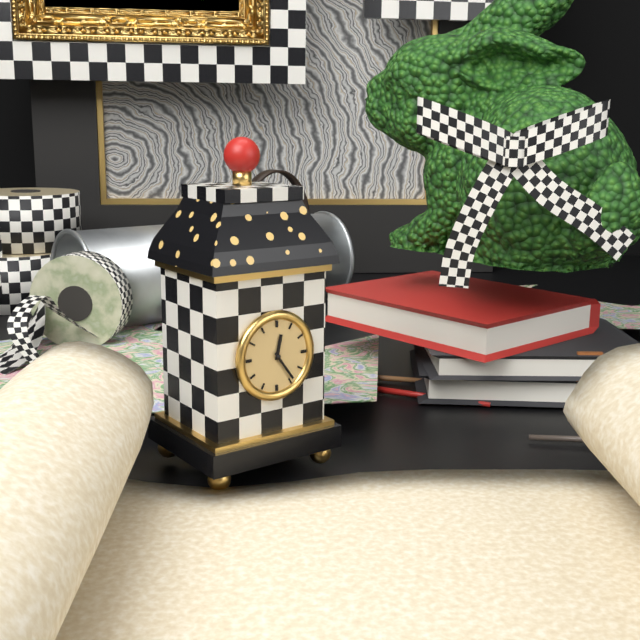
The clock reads 12h24
